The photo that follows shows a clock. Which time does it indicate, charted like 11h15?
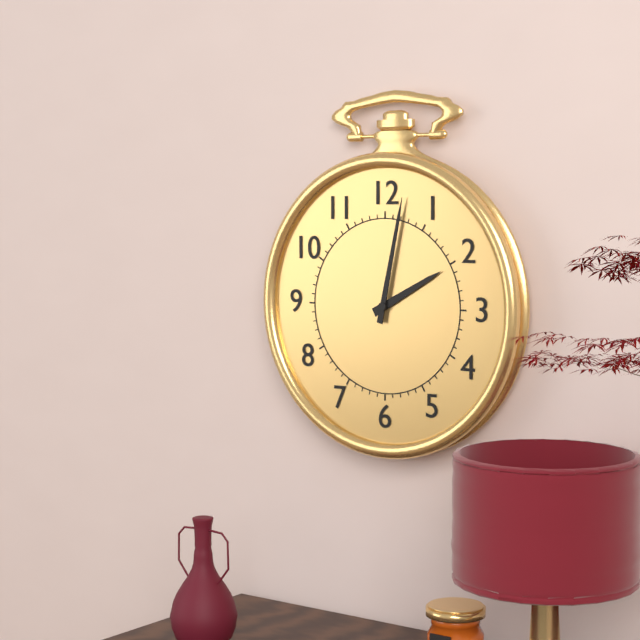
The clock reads 2h02
